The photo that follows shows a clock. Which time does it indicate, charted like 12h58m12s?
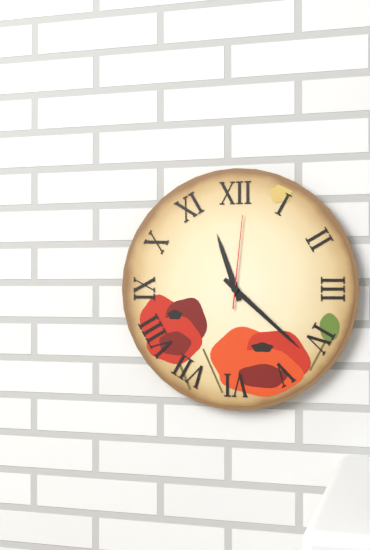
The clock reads 11h22m01s
